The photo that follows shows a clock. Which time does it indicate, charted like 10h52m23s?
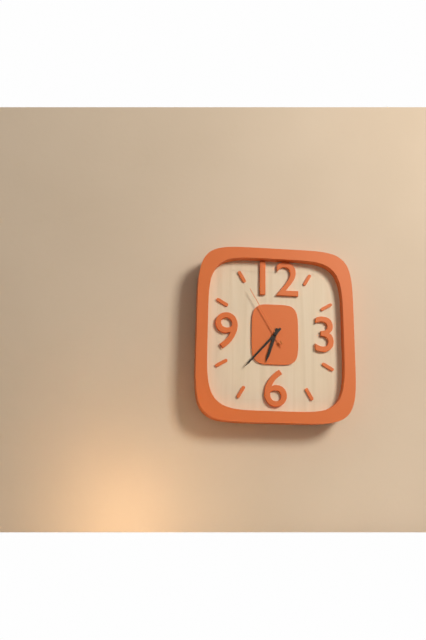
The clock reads 6h37m55s
